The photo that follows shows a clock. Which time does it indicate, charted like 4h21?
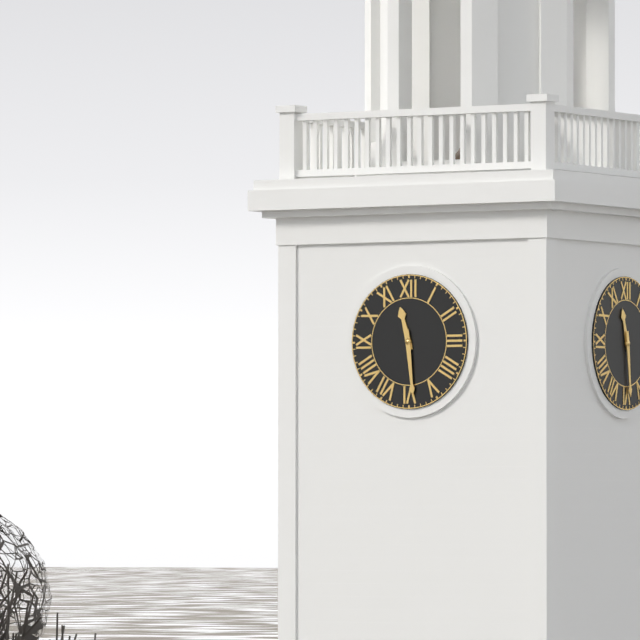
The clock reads 11h29
